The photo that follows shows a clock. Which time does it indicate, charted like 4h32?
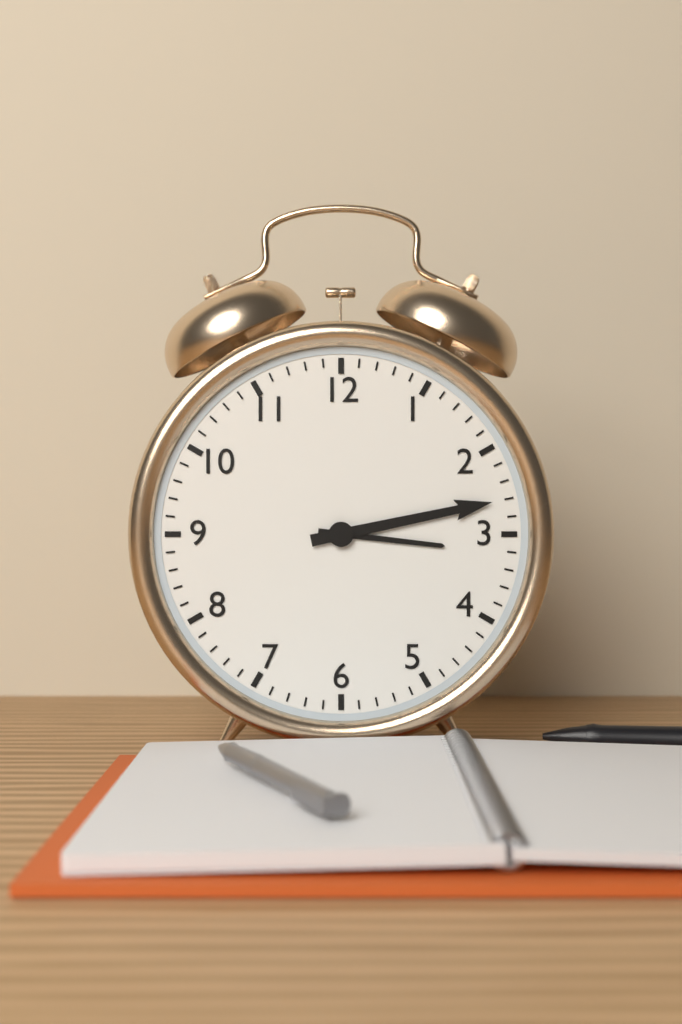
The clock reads 3h13
